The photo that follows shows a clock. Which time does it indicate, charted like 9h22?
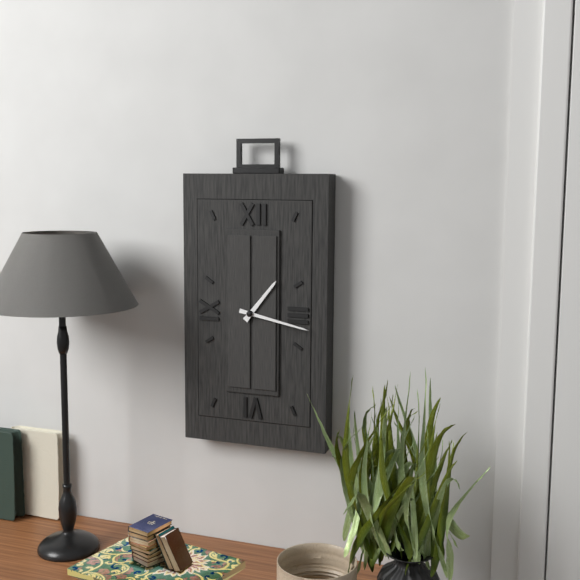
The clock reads 1h17
